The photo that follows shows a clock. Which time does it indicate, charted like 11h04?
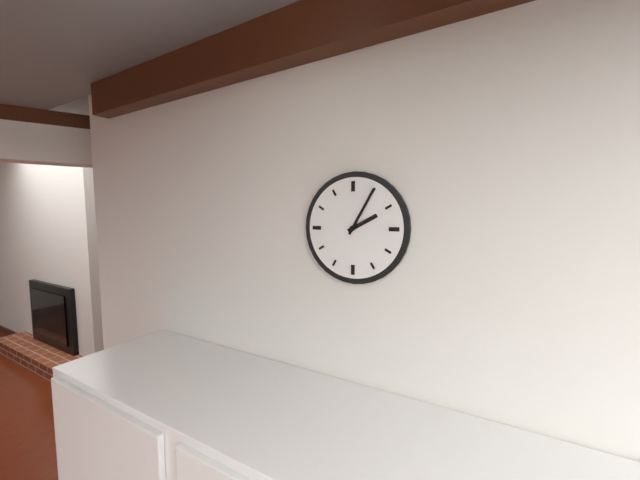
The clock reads 2h05
